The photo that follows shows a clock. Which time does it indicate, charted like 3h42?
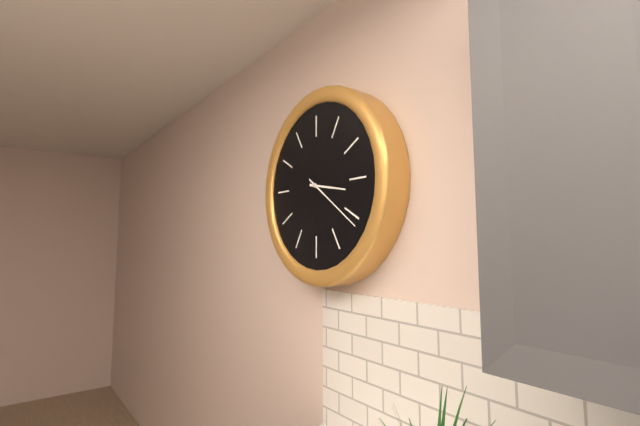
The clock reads 3h21
